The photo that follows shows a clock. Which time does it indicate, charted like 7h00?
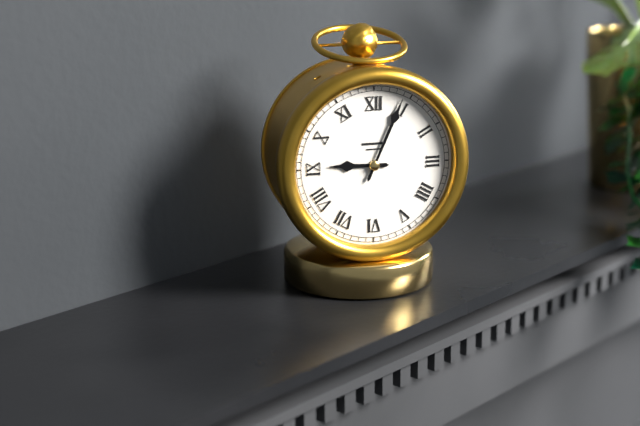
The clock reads 9h04
